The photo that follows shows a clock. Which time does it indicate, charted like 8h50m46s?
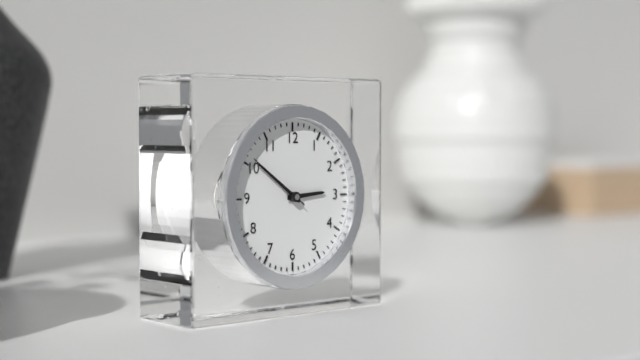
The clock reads 2h51m51s
